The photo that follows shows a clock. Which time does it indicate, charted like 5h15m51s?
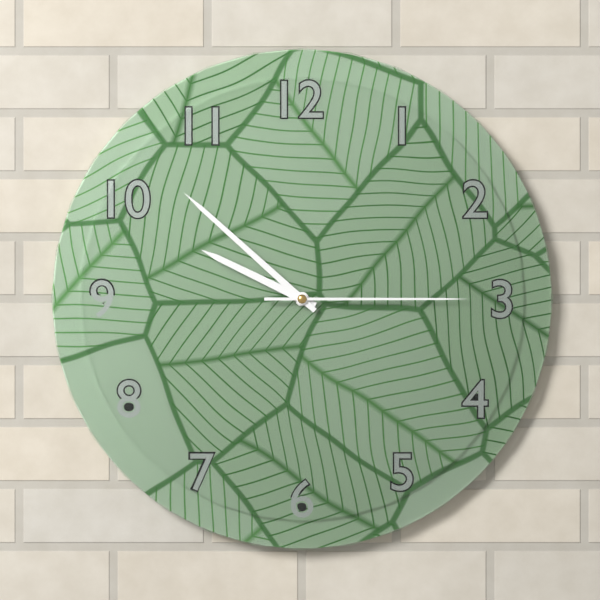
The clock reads 9h52m15s
